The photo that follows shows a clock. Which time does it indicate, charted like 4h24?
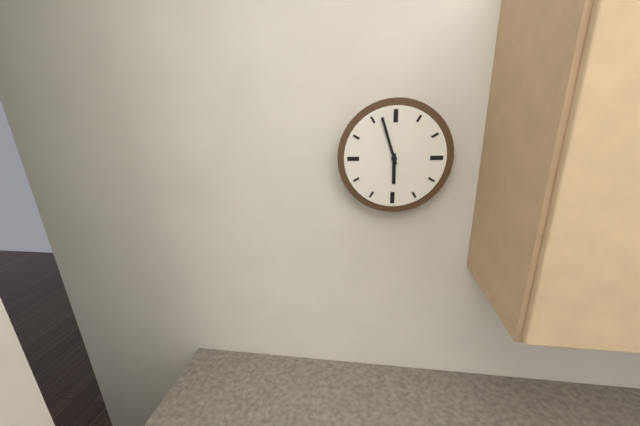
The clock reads 5h57
